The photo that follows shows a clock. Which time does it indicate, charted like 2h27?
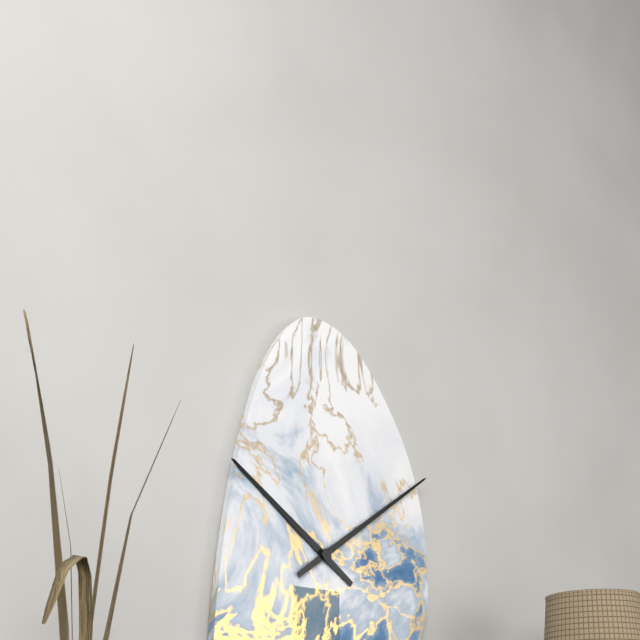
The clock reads 10h09
